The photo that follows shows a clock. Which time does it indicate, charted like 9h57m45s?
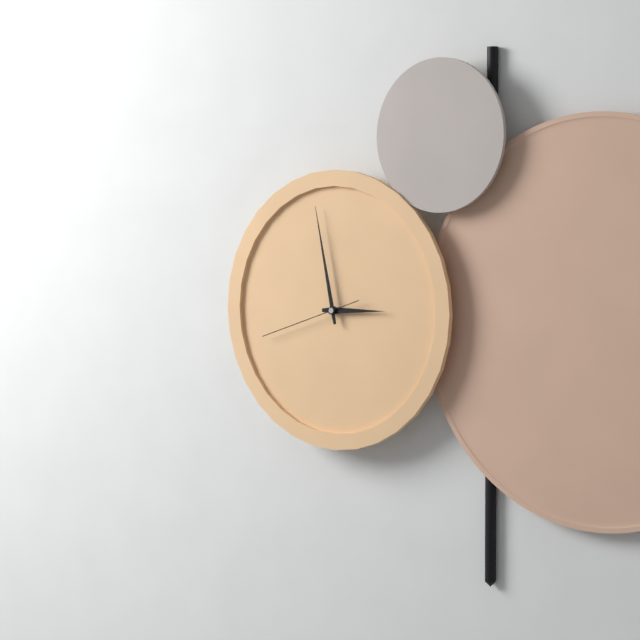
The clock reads 2h58m42s
